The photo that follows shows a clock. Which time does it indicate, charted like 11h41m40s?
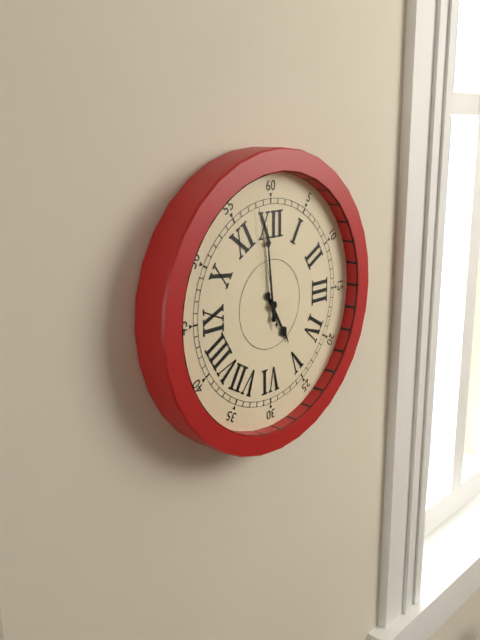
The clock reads 4h59m58s
